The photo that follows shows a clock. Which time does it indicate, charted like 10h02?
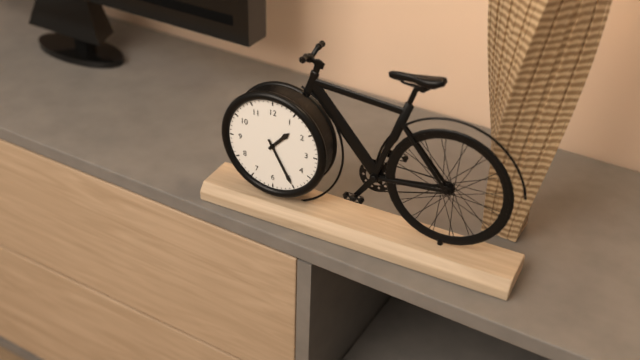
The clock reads 1h25
